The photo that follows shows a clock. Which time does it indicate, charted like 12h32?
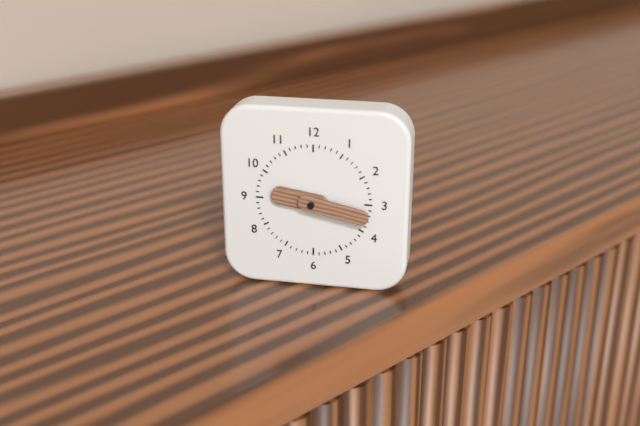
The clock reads 9h17
